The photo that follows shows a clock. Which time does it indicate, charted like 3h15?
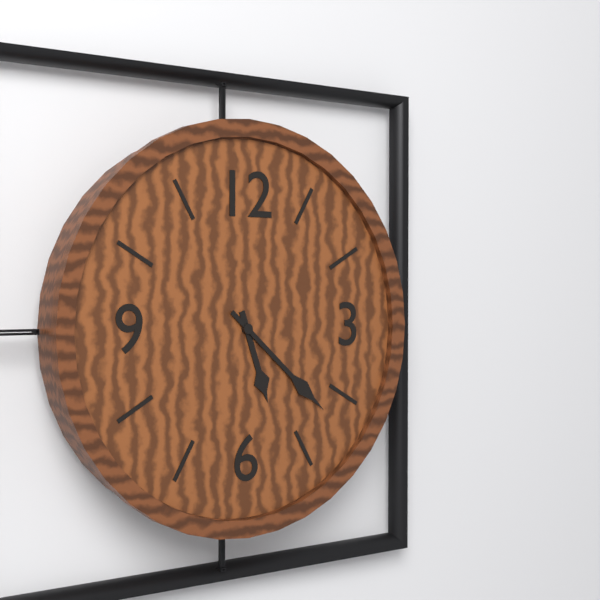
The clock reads 5h22
